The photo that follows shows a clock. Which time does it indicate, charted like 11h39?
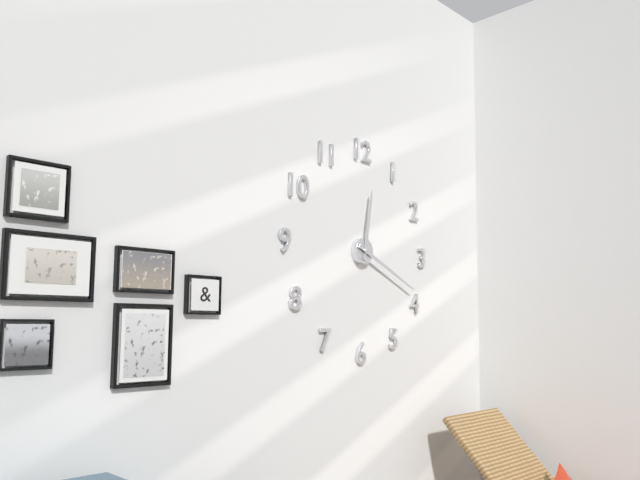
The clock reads 12h19
